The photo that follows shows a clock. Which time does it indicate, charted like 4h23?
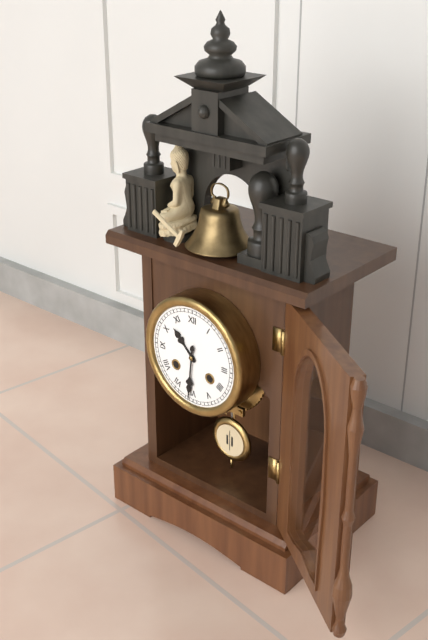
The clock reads 10h31
